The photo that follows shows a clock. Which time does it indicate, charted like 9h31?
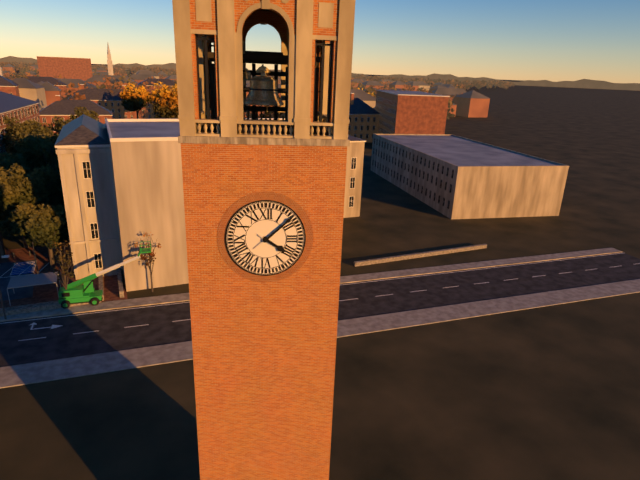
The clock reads 4h08
